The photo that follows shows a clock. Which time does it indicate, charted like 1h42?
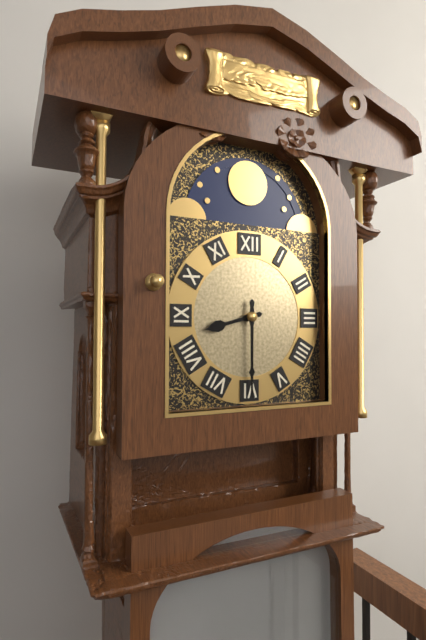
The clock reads 8h30
